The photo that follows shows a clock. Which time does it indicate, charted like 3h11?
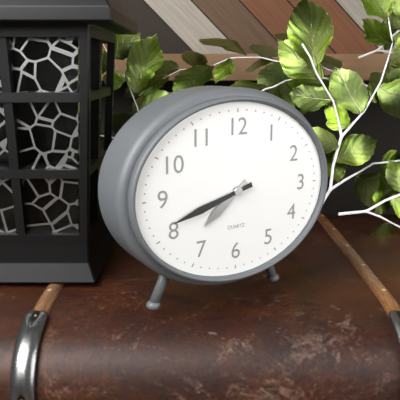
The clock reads 7h42
